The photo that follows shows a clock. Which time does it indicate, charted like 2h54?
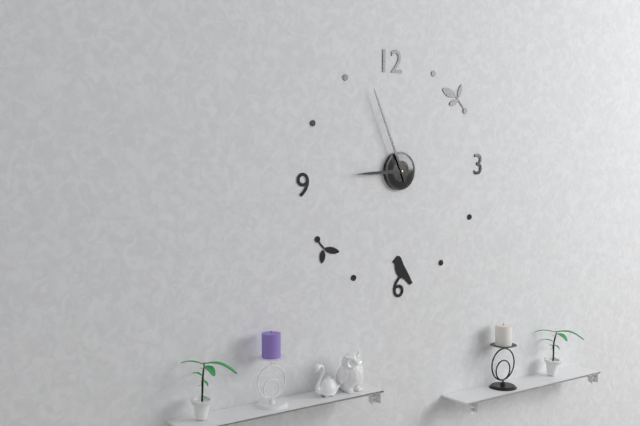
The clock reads 8h56
